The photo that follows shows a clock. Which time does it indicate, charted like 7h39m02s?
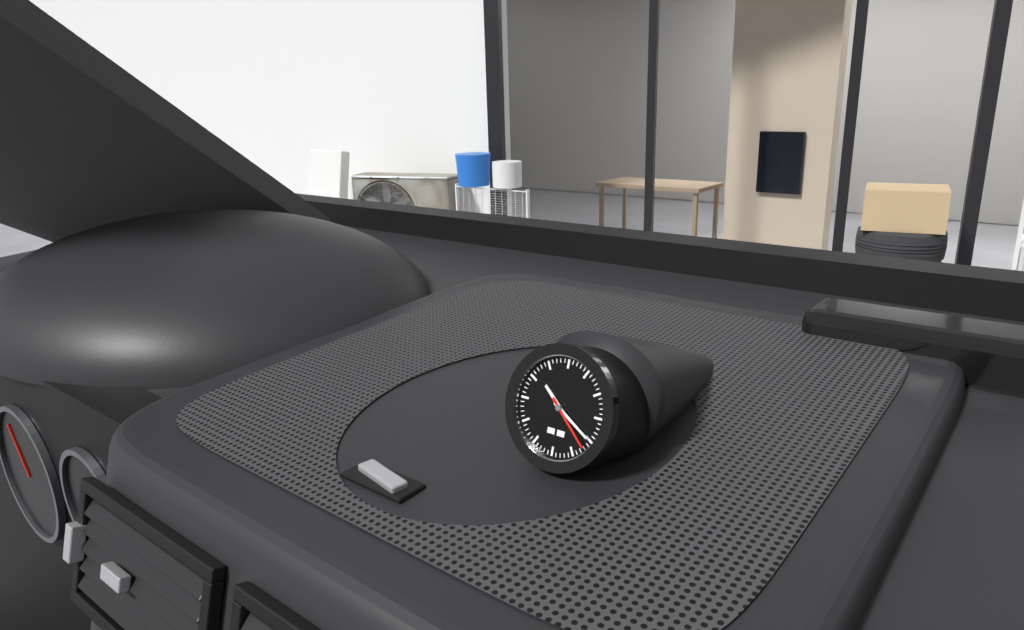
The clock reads 10h20m22s
